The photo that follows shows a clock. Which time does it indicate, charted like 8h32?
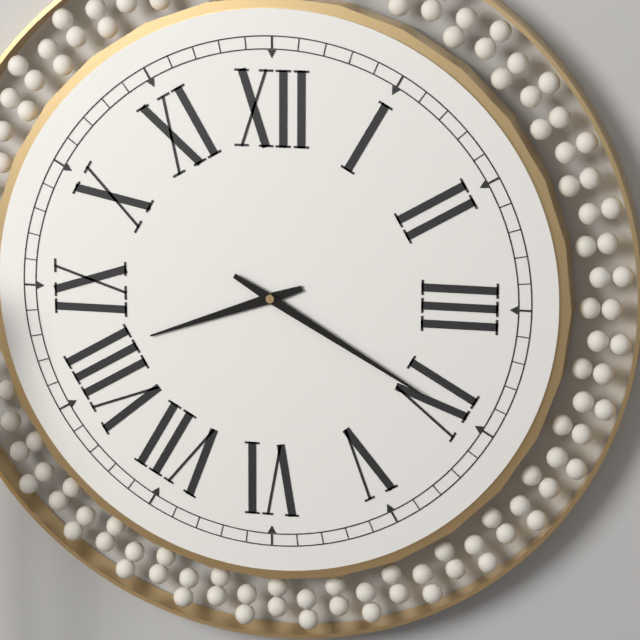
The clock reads 8h20
